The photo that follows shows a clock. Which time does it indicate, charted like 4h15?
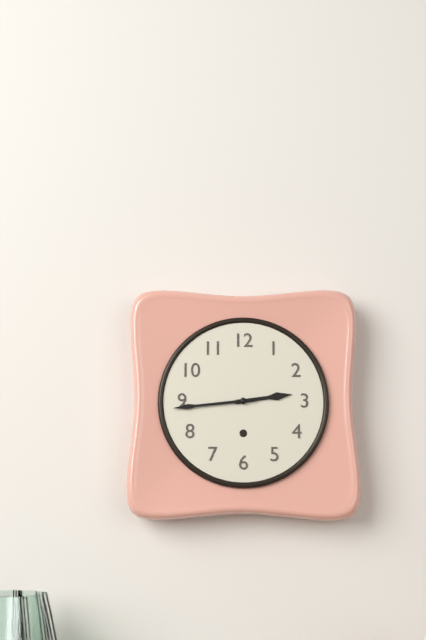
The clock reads 2h44
